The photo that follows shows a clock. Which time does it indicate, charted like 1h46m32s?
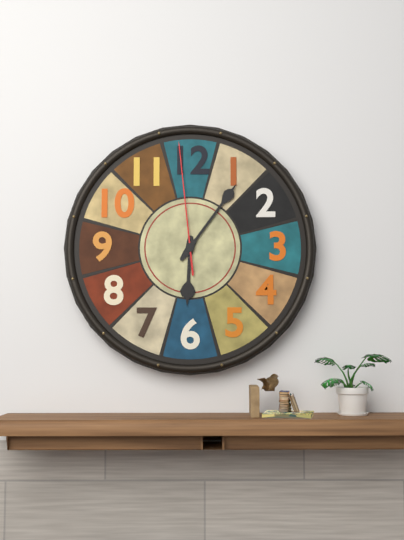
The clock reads 6h06m59s
